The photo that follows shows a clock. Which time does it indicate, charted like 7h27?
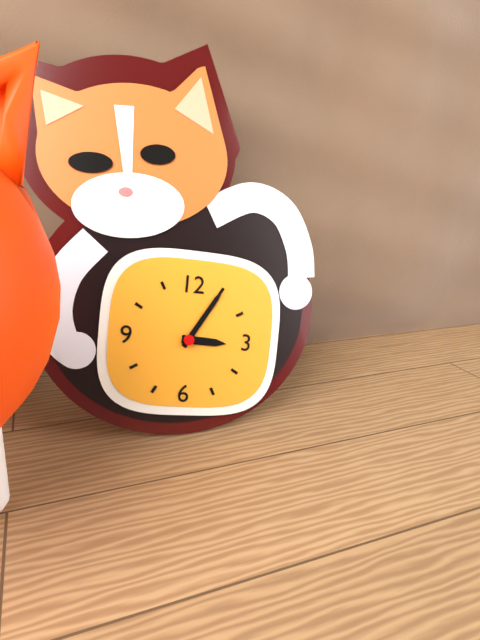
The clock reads 3h05
